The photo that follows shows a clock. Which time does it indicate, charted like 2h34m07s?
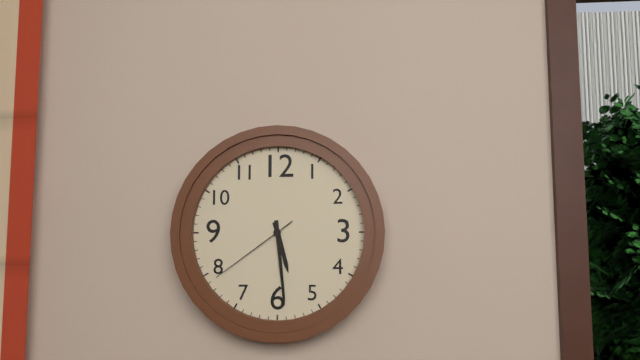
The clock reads 5h29m39s
